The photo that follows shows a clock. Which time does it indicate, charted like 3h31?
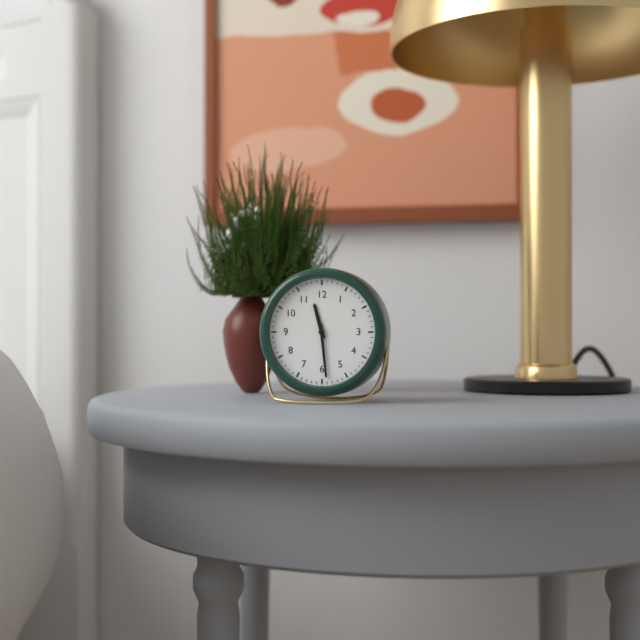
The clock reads 11h29
